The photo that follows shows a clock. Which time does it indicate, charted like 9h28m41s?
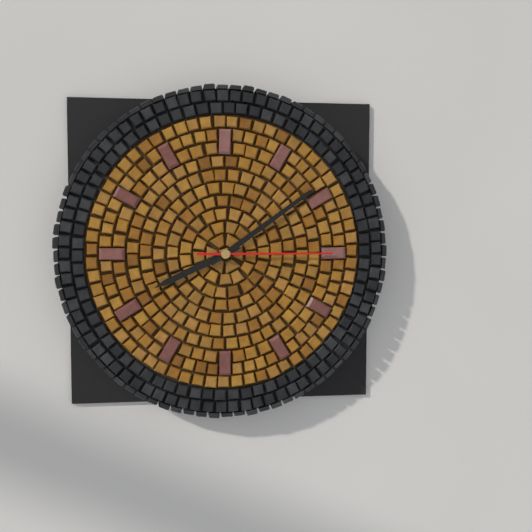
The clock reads 8h09m15s
